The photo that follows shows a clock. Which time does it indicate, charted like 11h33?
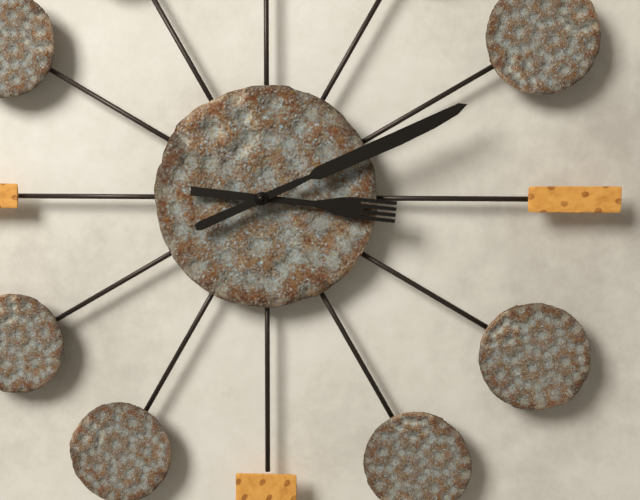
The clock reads 3h11
